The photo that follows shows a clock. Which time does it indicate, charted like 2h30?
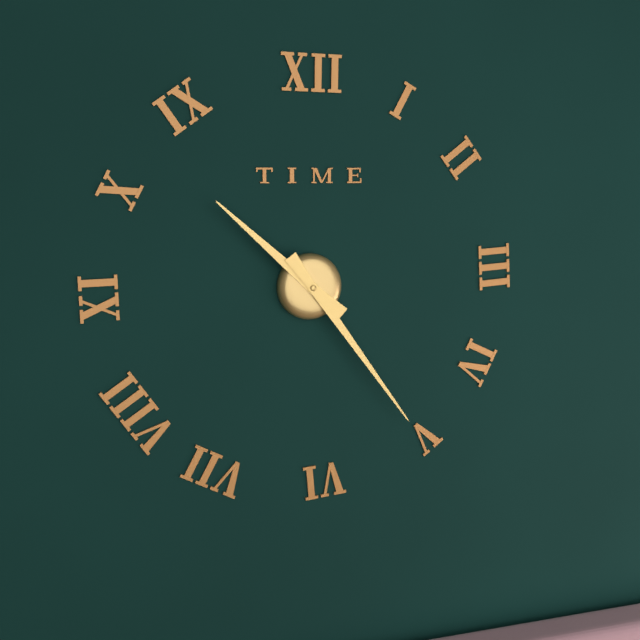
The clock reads 10h24
